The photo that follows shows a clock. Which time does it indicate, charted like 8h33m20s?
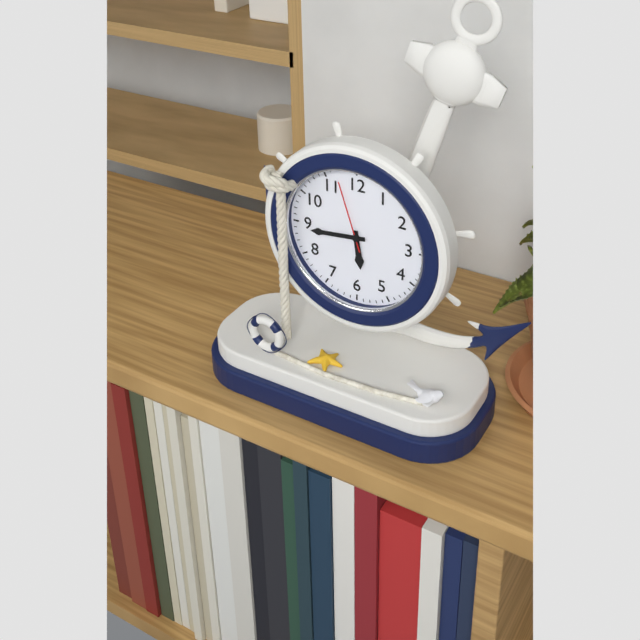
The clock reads 5h44m57s
